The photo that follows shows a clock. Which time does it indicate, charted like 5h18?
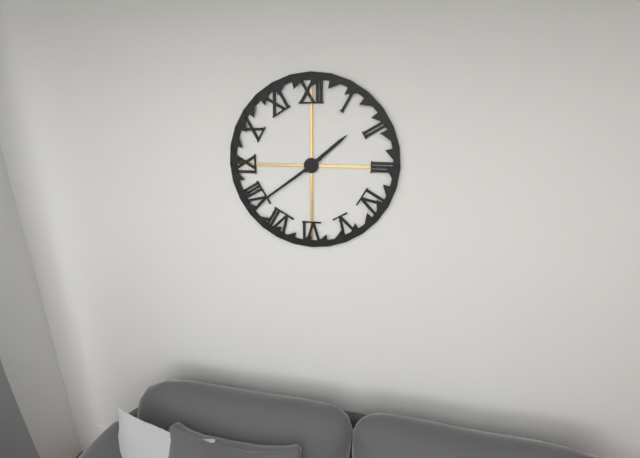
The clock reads 1h39
